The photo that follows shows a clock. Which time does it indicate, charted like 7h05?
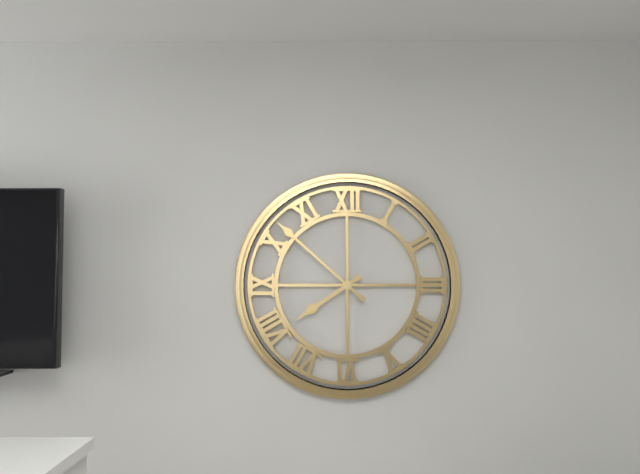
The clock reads 7h52
